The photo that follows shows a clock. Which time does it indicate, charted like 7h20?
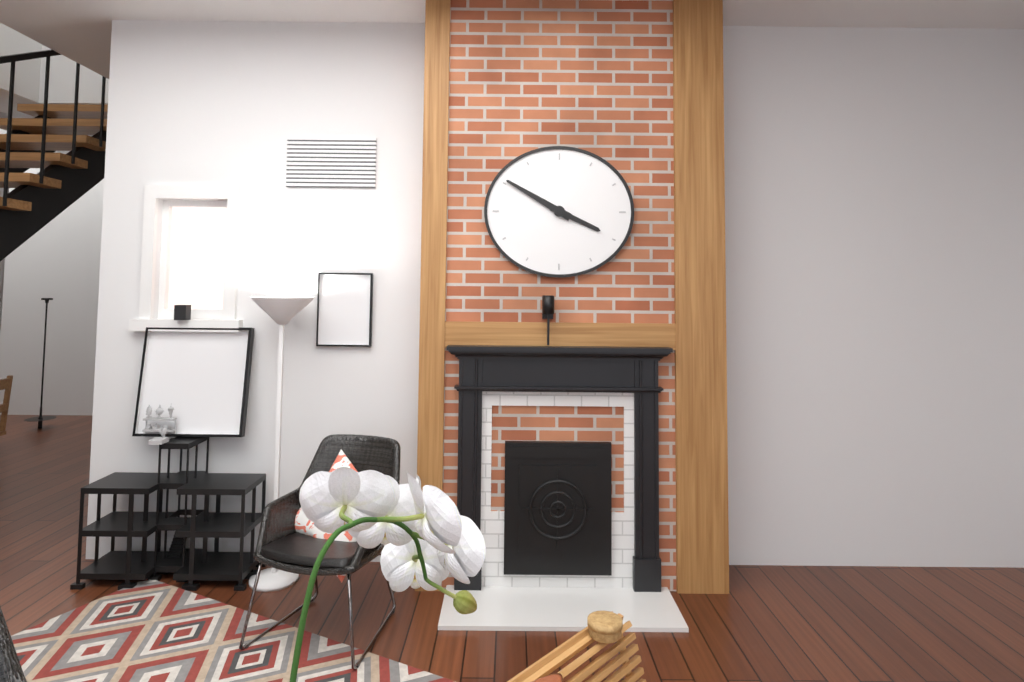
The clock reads 3h50
